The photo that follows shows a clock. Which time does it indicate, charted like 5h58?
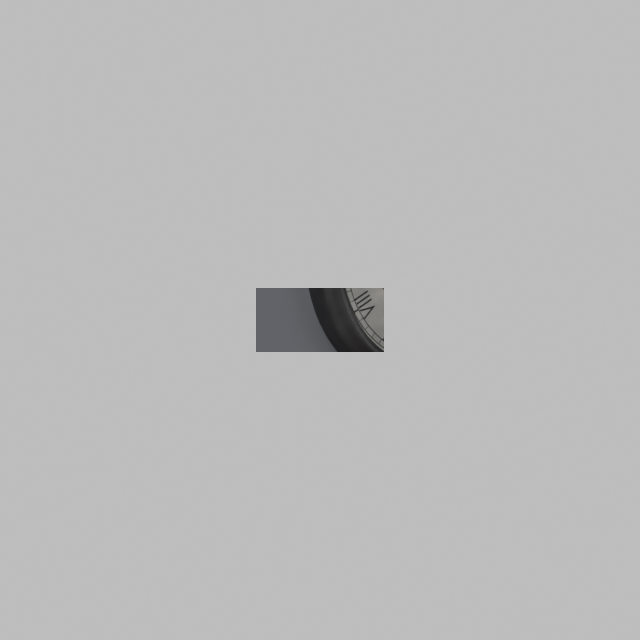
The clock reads 6h46
